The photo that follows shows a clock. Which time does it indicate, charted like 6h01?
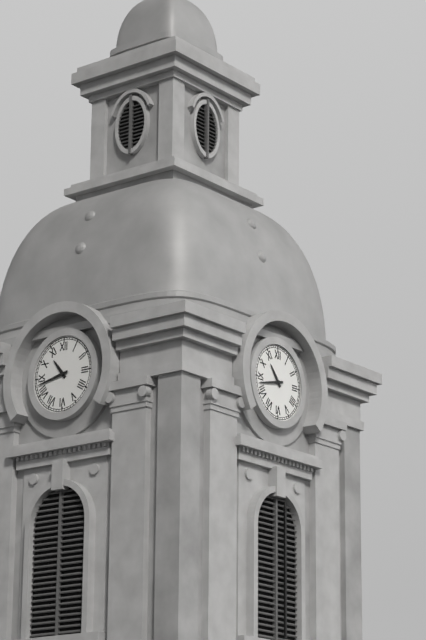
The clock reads 10h43
